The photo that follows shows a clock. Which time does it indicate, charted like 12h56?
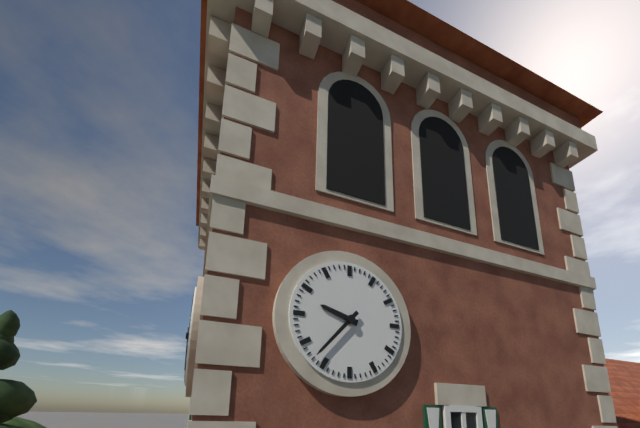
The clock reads 9h37
